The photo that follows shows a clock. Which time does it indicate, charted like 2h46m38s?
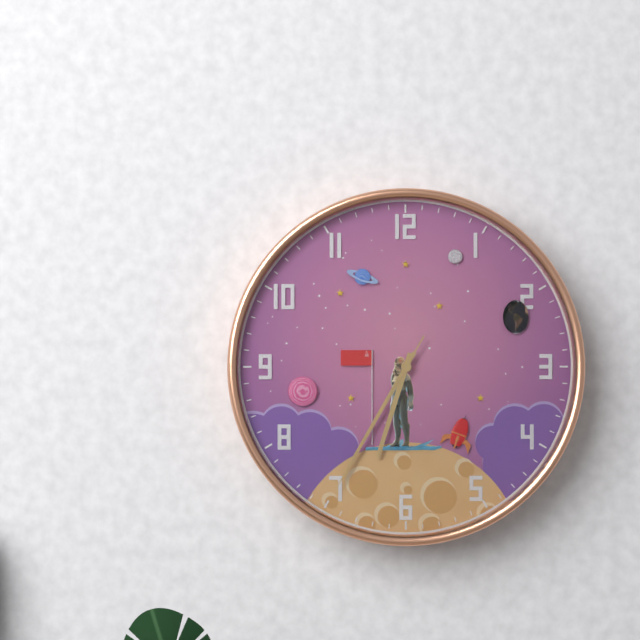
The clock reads 6h35m35s
